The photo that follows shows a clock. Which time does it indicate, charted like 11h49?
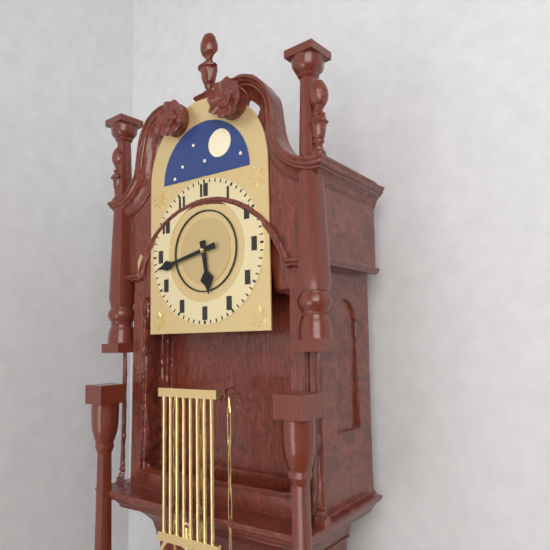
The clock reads 5h43
